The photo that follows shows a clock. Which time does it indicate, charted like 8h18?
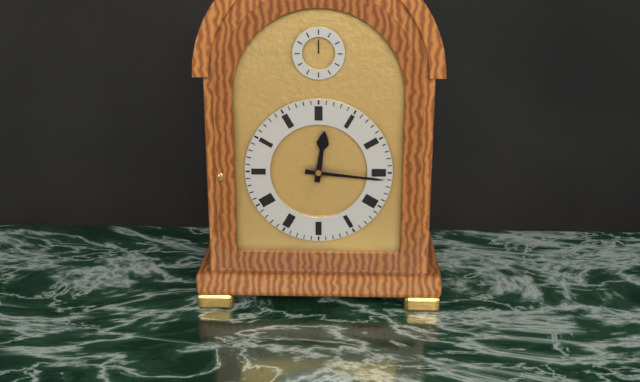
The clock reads 12h16
